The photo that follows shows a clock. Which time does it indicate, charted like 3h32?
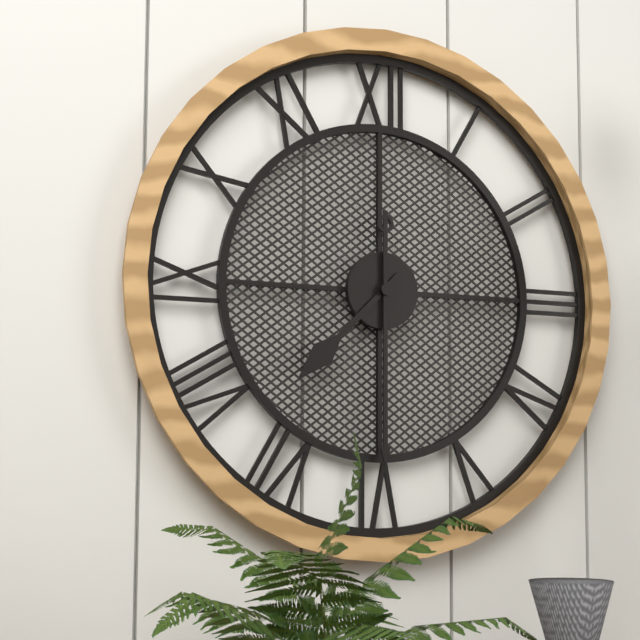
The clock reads 7h30
